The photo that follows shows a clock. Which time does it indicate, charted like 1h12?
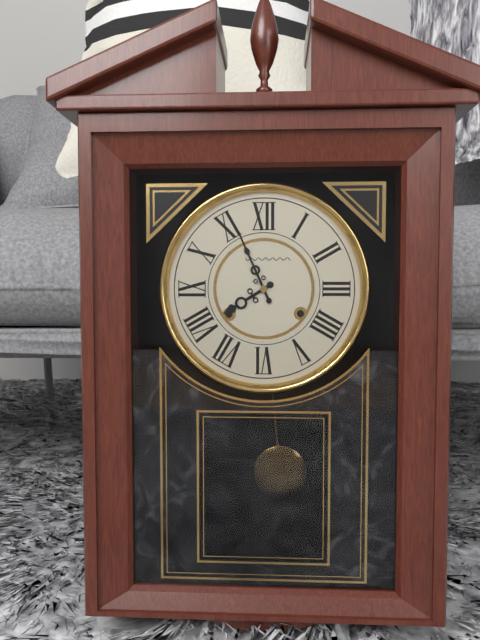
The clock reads 7h56
